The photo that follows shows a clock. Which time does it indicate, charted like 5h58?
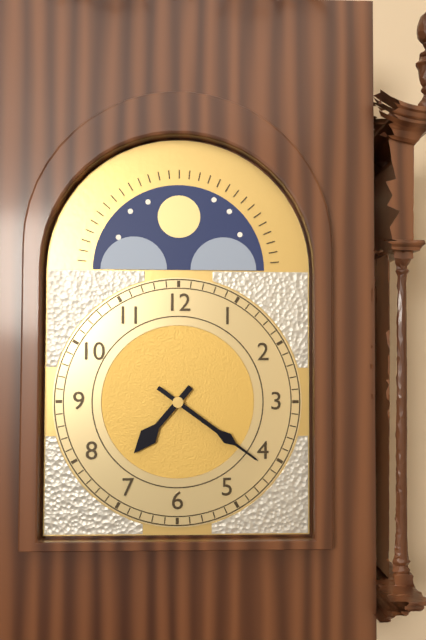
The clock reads 7h21
